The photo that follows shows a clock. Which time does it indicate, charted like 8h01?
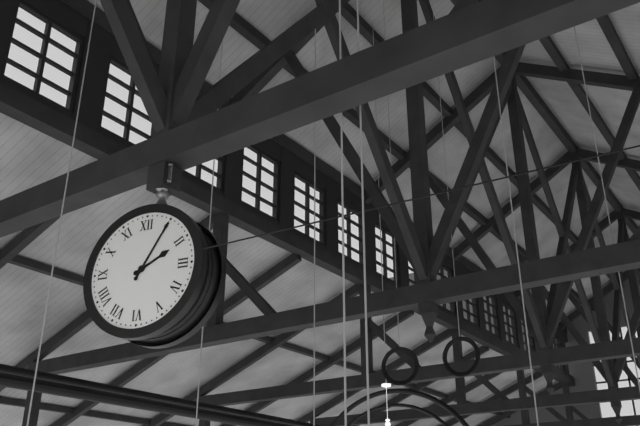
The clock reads 2h05
